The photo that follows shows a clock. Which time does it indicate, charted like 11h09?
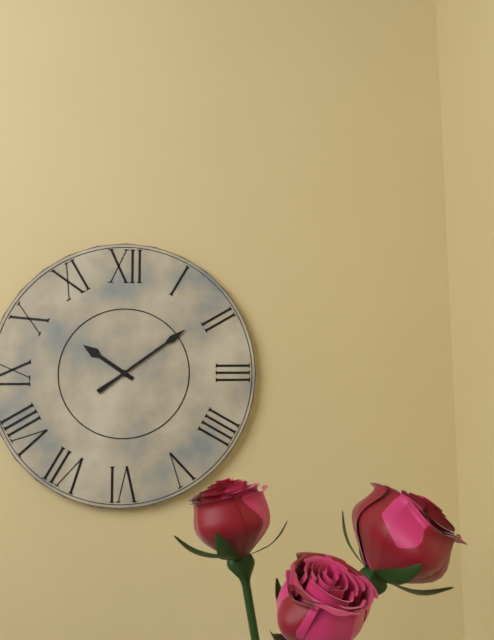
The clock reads 10h09
